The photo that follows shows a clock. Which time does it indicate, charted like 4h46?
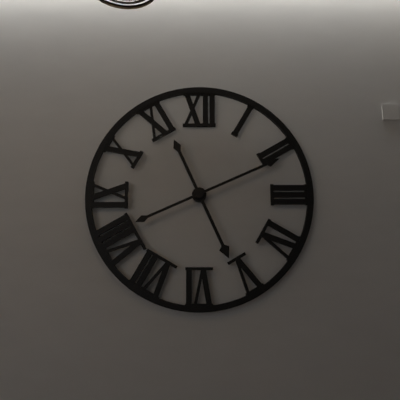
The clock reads 5h11
